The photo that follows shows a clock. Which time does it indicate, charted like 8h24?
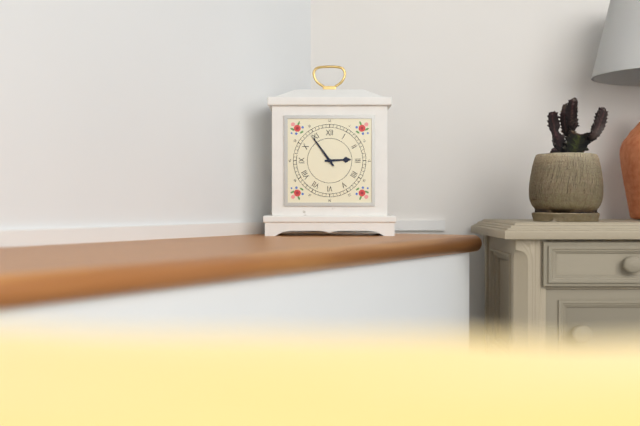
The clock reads 2h54
